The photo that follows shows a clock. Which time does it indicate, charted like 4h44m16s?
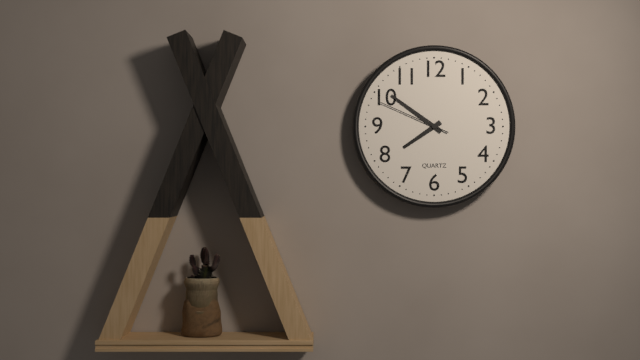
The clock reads 7h51m49s
